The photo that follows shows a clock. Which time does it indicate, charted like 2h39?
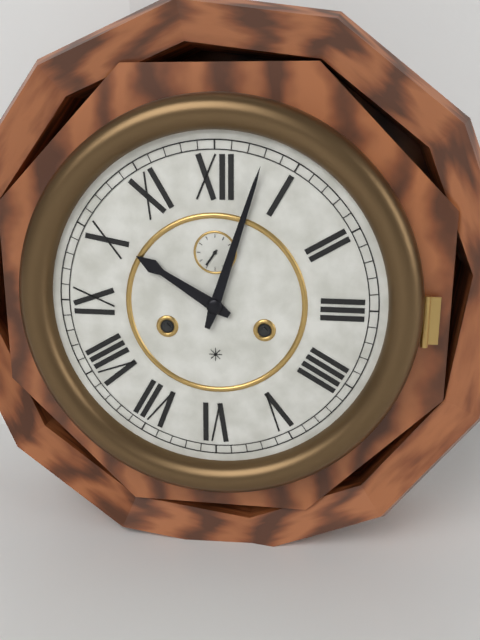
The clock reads 10h03
